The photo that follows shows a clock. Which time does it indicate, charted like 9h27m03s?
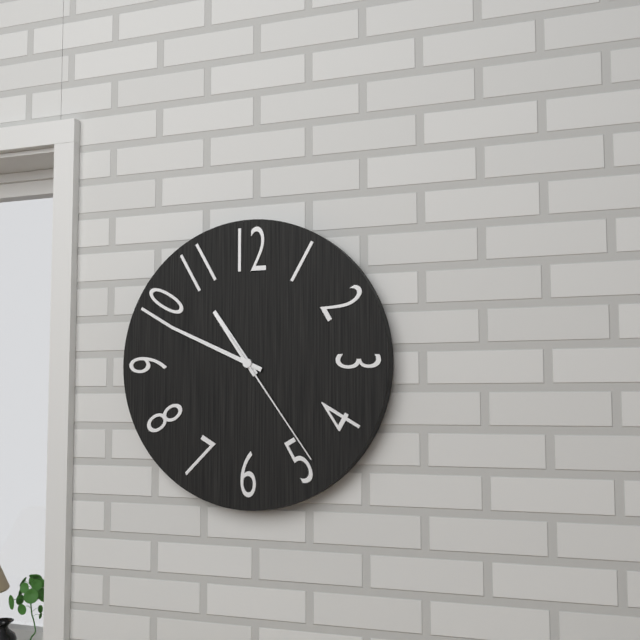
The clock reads 10h49m24s
